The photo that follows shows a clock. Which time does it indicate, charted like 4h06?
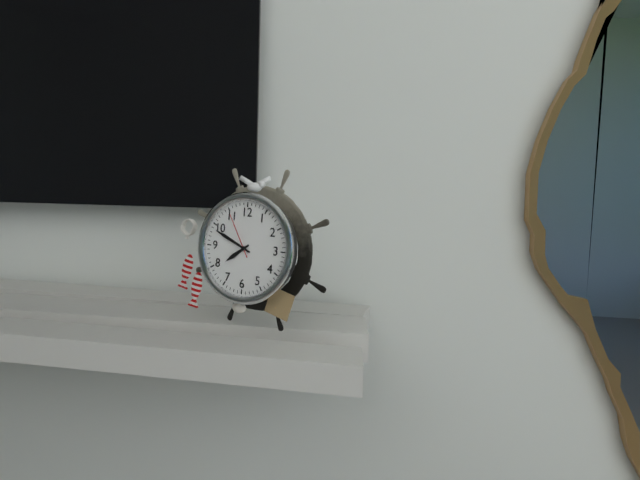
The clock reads 7h49
